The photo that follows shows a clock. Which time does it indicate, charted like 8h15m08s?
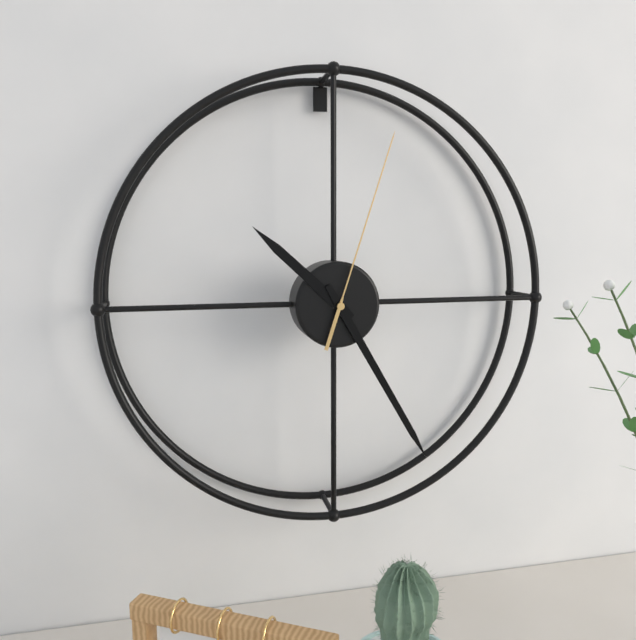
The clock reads 10h25m03s
